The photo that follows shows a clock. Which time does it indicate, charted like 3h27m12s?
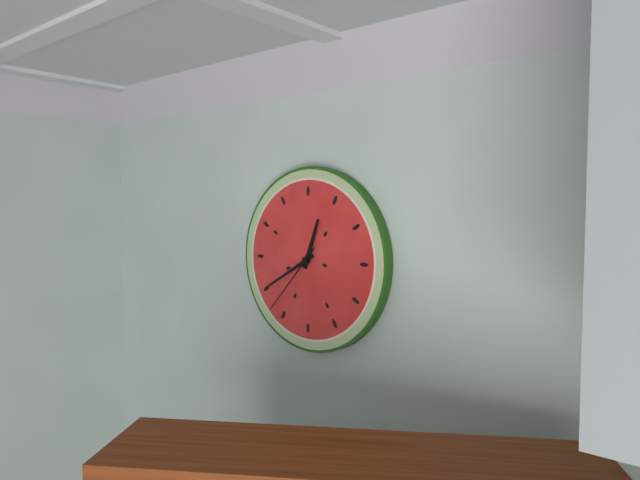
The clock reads 12h40m37s
